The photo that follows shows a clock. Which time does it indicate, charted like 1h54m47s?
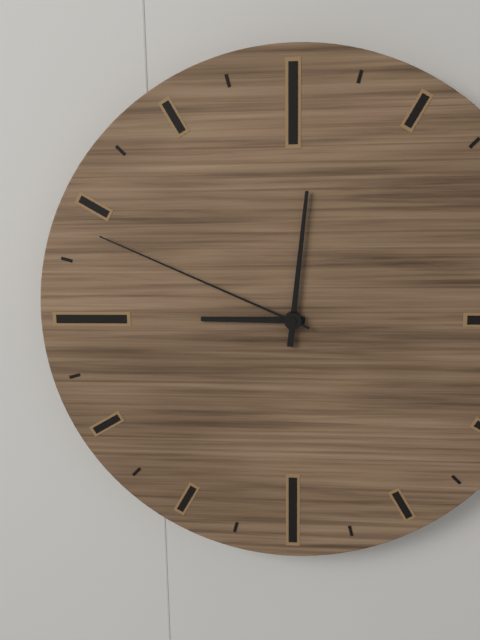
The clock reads 9h01m49s
